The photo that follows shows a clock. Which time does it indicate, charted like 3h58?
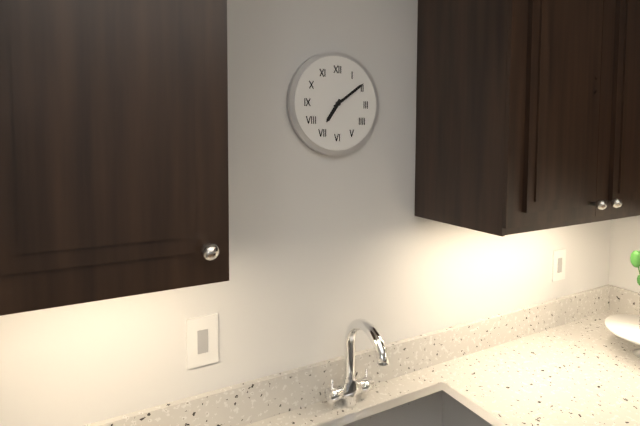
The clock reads 7h09
